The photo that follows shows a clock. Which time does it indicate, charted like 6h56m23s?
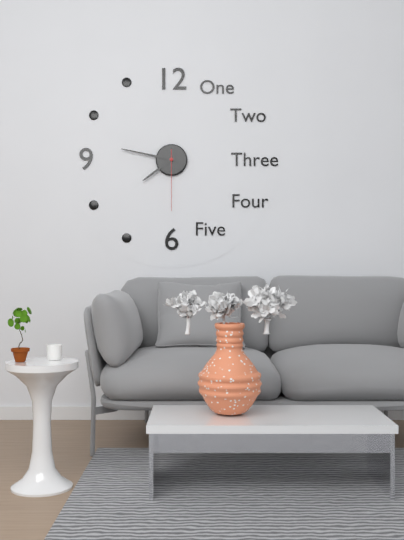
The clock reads 7h47m30s
